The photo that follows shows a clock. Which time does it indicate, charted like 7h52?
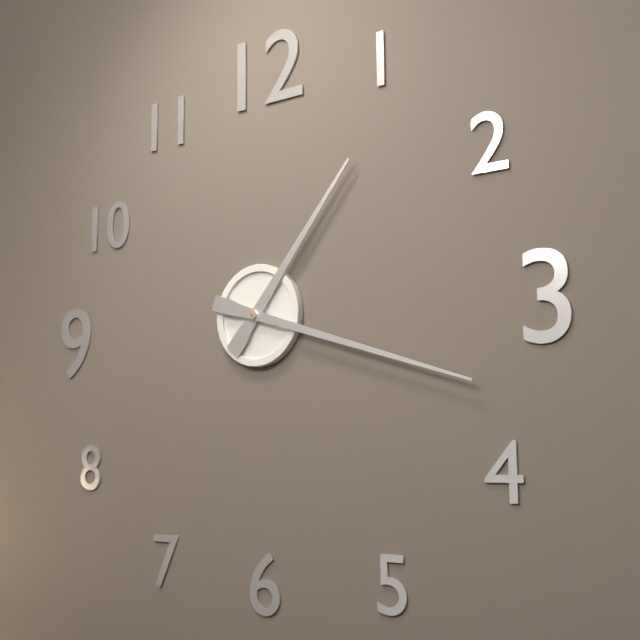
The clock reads 1h18
